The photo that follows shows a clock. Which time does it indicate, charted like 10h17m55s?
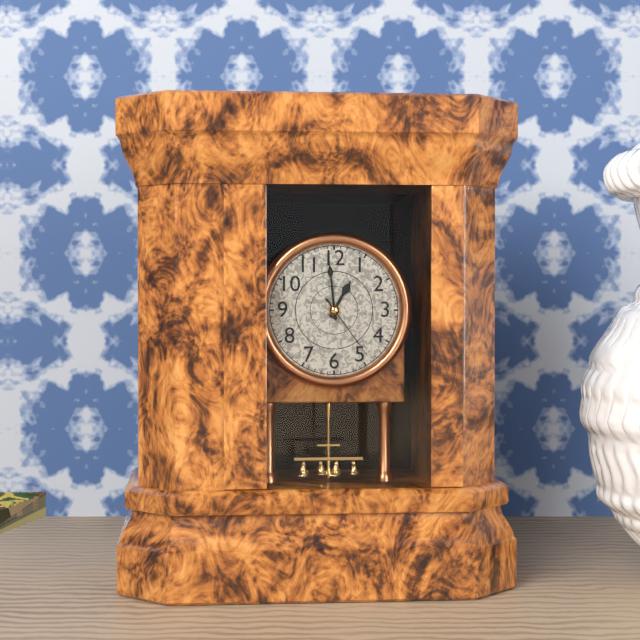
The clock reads 12h59m24s
